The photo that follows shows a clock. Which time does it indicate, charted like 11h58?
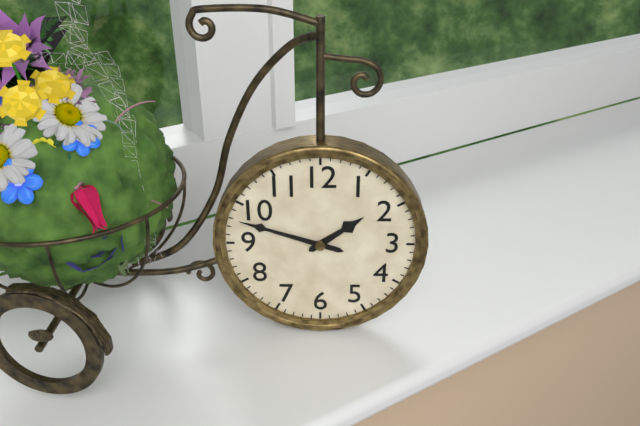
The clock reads 1h48
